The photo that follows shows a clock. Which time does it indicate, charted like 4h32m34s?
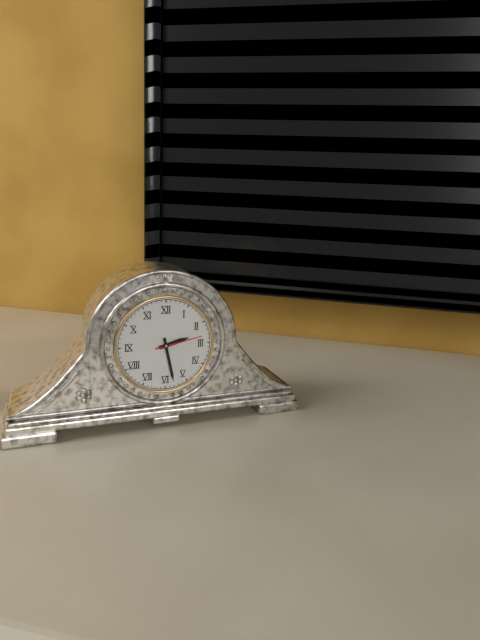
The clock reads 2h28m13s
